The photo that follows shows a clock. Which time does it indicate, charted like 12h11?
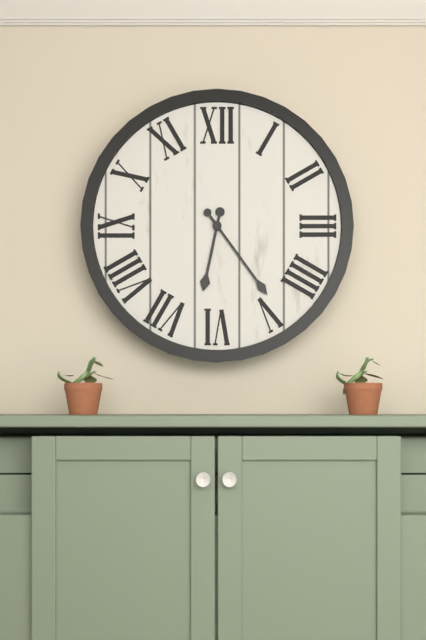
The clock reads 6h24
